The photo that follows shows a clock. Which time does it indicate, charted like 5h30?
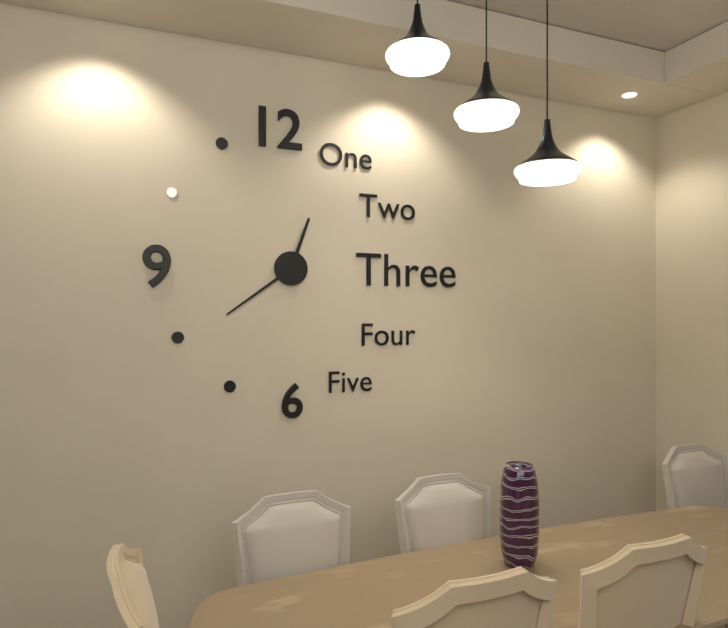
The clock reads 12h39
